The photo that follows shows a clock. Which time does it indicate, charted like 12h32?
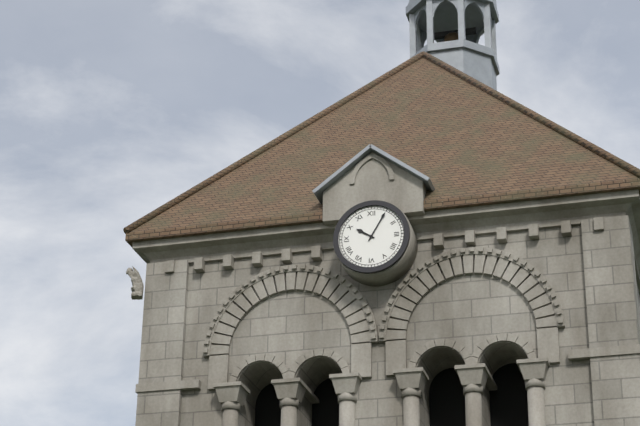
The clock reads 10h05
